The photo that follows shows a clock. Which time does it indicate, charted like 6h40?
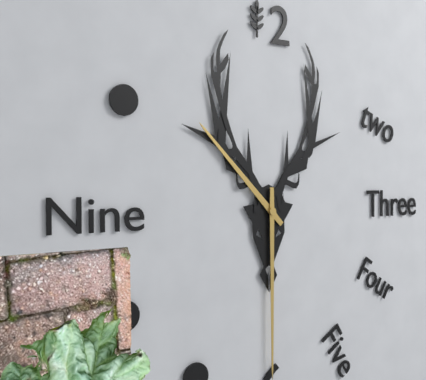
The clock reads 10h30
